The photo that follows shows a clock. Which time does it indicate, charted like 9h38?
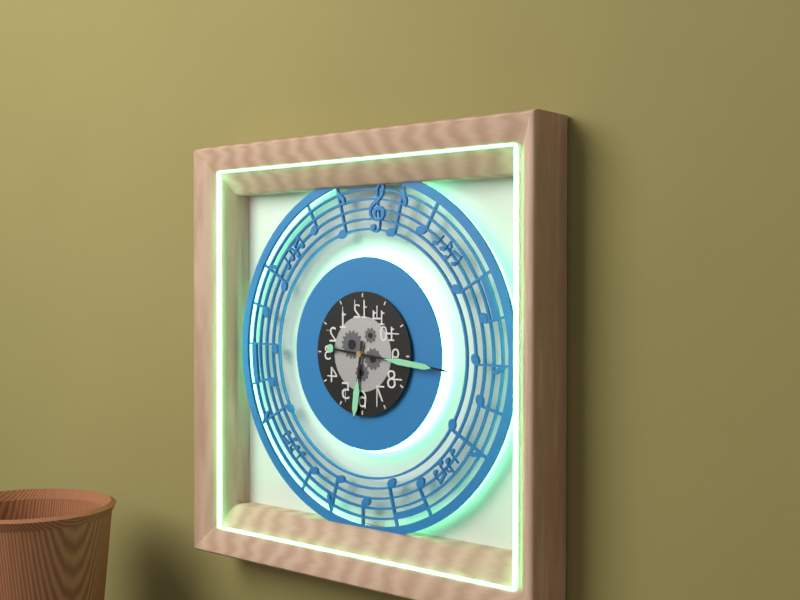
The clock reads 6h16
